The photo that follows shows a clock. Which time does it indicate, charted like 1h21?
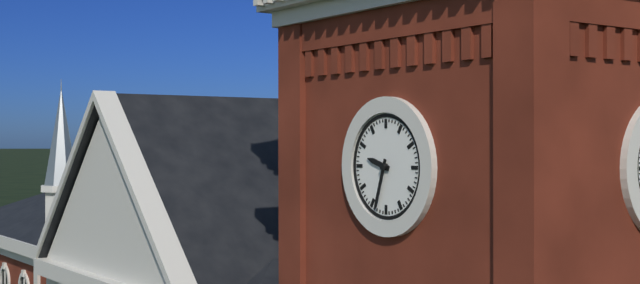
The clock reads 9h33
